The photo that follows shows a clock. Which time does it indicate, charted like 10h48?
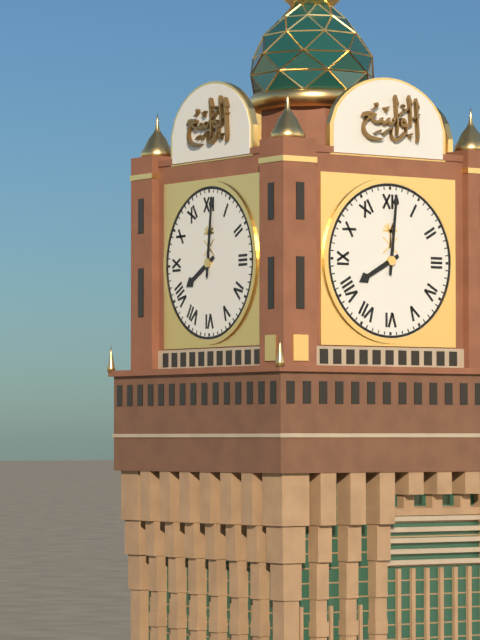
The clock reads 8h01
